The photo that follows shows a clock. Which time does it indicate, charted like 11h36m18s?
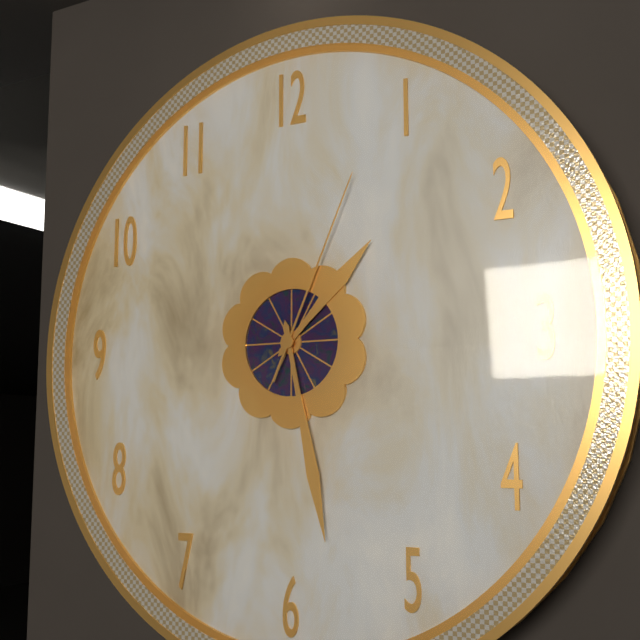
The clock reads 1h28m04s
